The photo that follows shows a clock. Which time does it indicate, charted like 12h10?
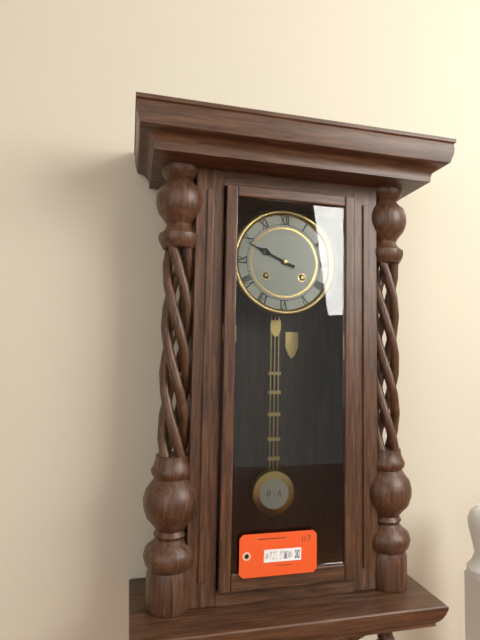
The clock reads 9h49
